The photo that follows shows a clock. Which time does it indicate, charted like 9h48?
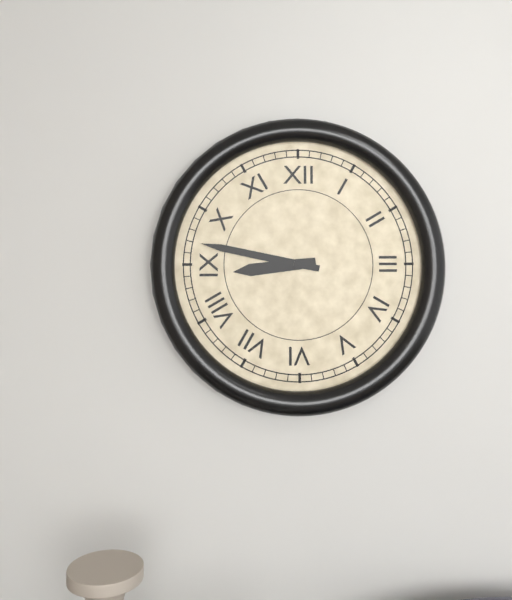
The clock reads 8h47
